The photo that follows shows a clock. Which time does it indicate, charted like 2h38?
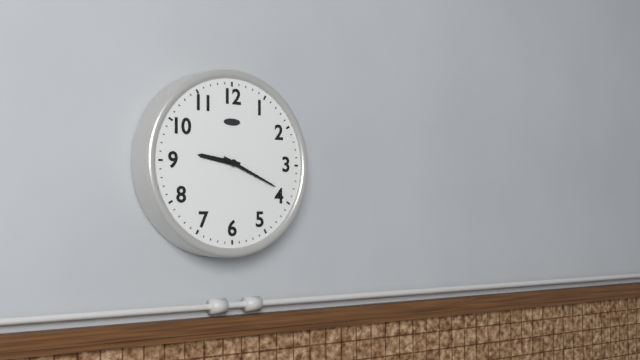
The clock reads 9h19
